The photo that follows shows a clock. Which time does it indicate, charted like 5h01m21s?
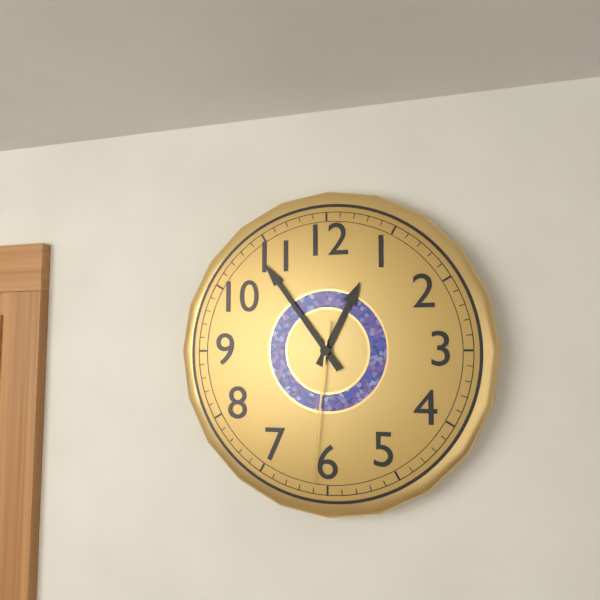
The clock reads 12h54m31s
